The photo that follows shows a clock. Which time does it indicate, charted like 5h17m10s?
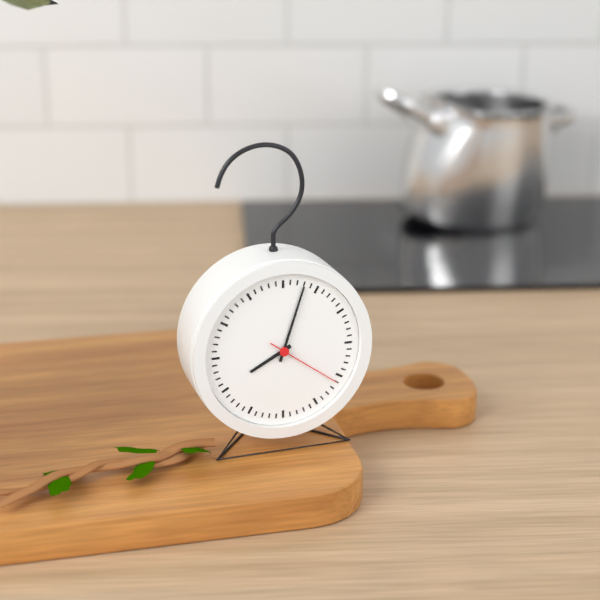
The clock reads 8h03m21s
